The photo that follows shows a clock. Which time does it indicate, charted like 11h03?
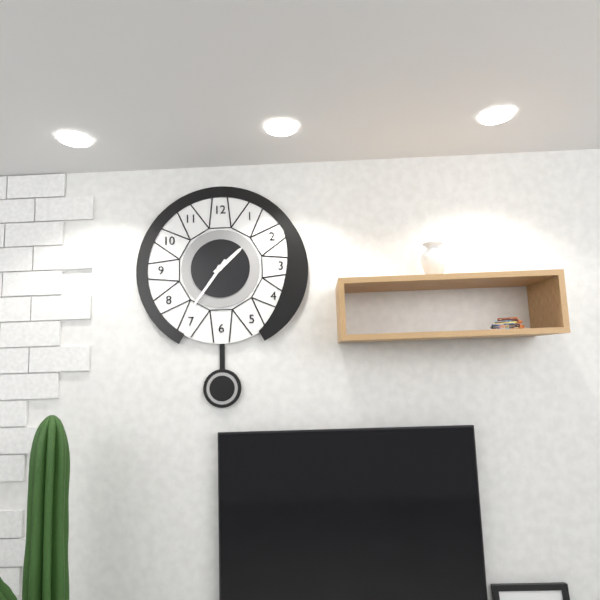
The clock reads 1h36
